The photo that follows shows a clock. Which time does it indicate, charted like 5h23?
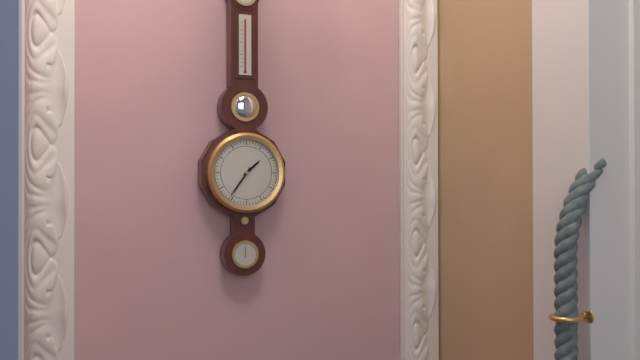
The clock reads 1h36
